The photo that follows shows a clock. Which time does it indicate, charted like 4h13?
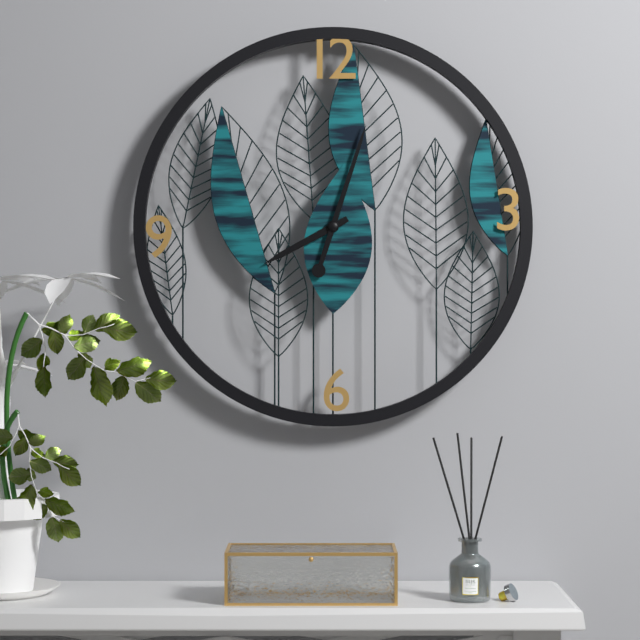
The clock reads 8h03
